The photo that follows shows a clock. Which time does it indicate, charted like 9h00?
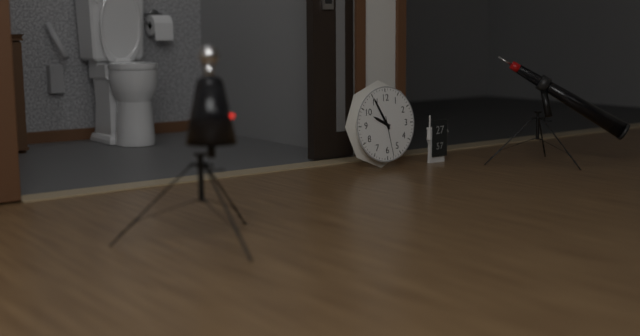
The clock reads 9h55
